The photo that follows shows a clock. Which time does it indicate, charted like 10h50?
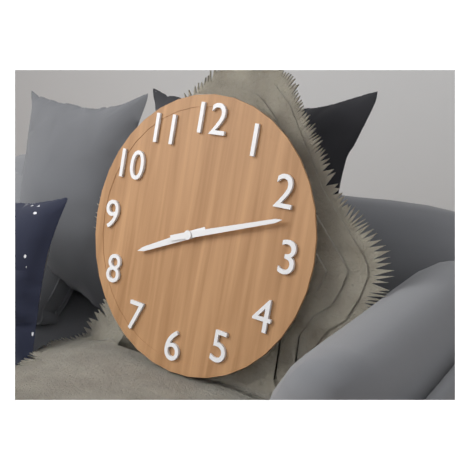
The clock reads 8h12
